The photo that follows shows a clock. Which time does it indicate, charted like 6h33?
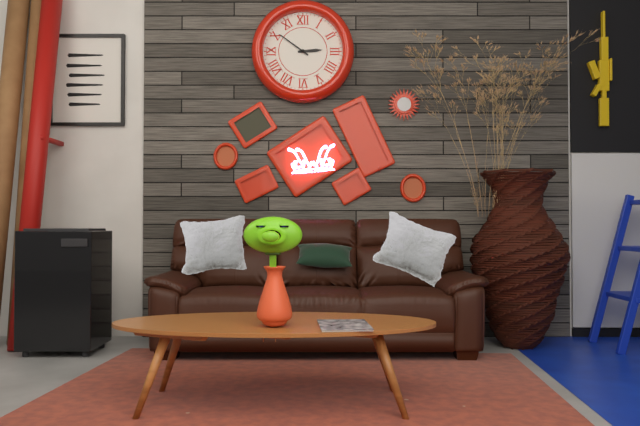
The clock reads 2h51
